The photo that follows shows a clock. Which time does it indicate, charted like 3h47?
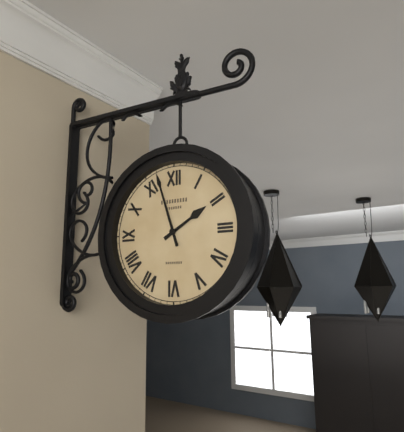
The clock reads 1h57
